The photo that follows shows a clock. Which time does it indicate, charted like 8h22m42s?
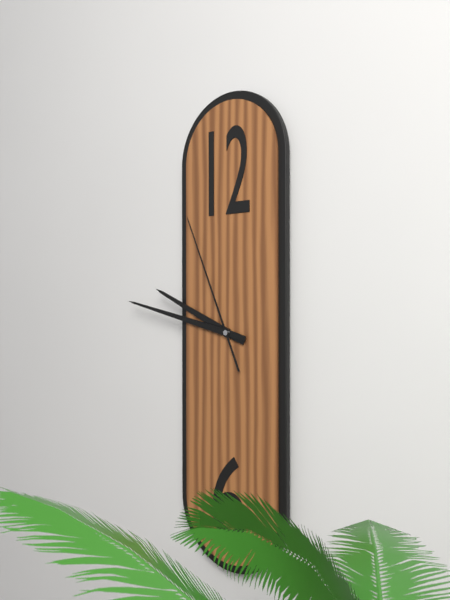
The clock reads 9h47m56s
